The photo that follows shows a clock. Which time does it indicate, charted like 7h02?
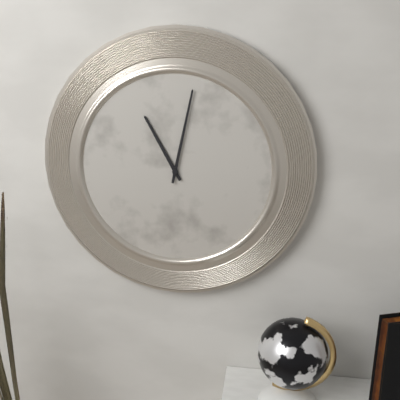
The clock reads 11h02
